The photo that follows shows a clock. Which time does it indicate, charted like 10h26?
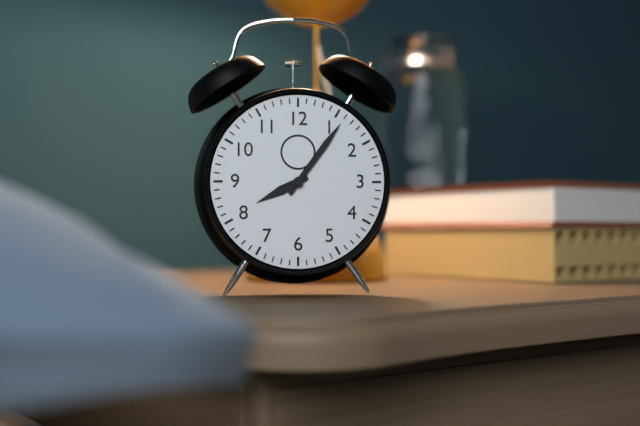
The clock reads 8h06
